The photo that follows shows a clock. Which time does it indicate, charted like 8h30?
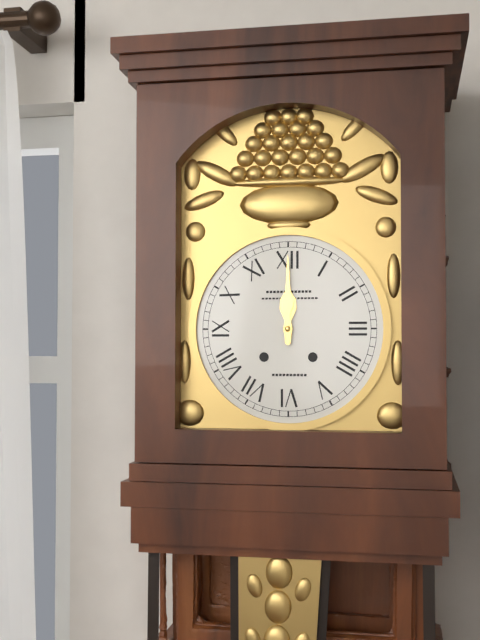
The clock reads 12h00
